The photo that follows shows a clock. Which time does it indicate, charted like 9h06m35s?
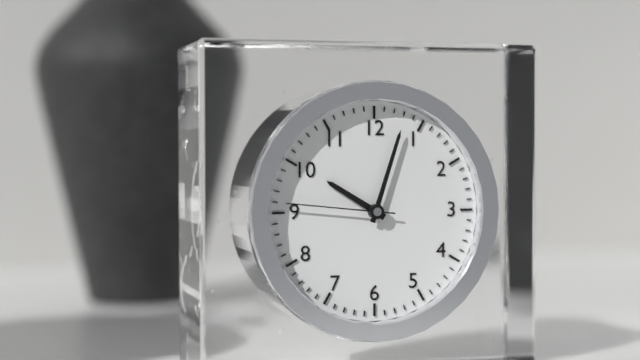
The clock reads 10h03m46s
